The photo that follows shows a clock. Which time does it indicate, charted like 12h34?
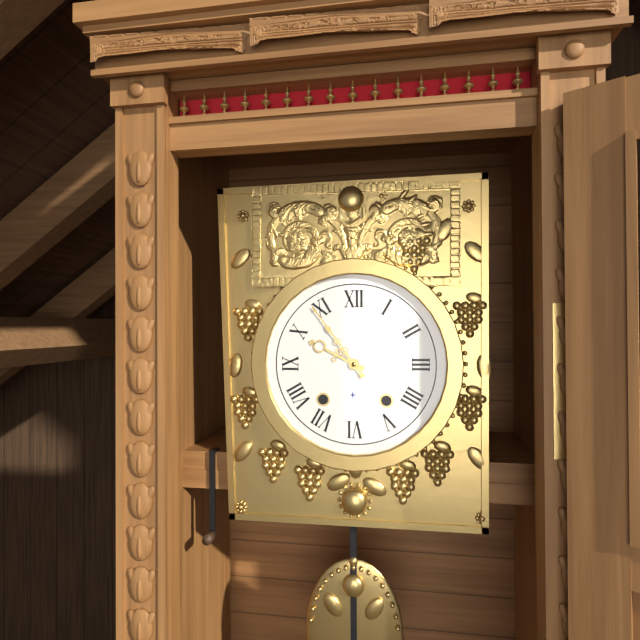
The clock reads 9h54
